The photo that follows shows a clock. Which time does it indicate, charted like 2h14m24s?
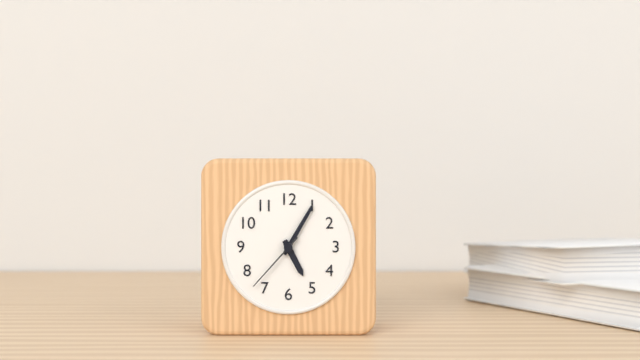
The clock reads 5h05m37s
